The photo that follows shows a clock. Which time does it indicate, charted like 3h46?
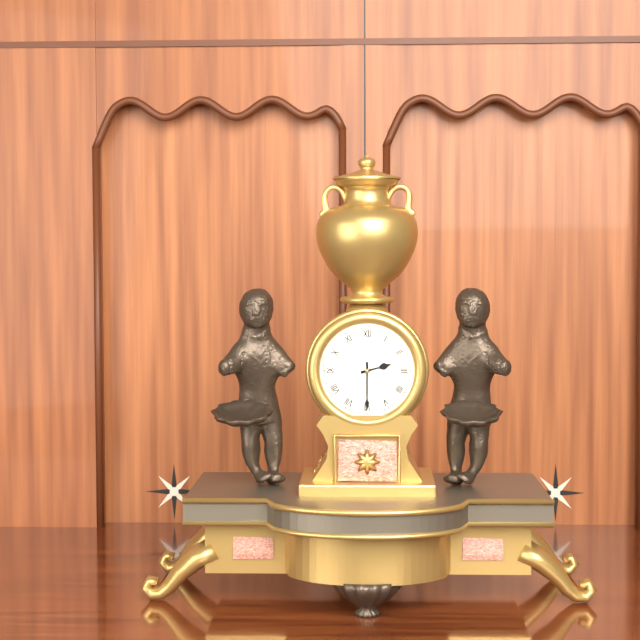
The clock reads 2h30
